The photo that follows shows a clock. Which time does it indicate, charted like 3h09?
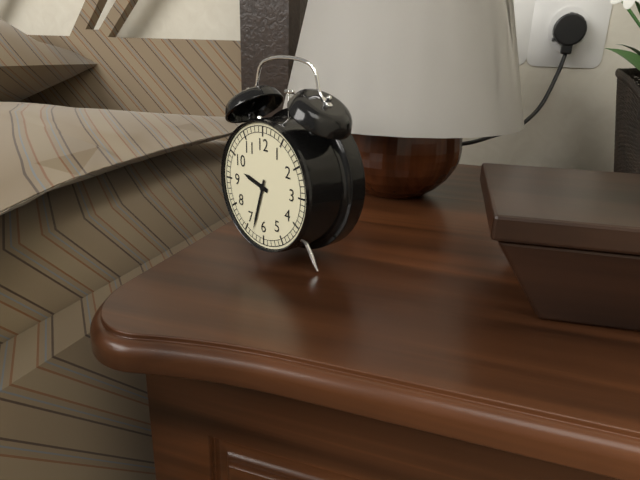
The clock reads 9h33
